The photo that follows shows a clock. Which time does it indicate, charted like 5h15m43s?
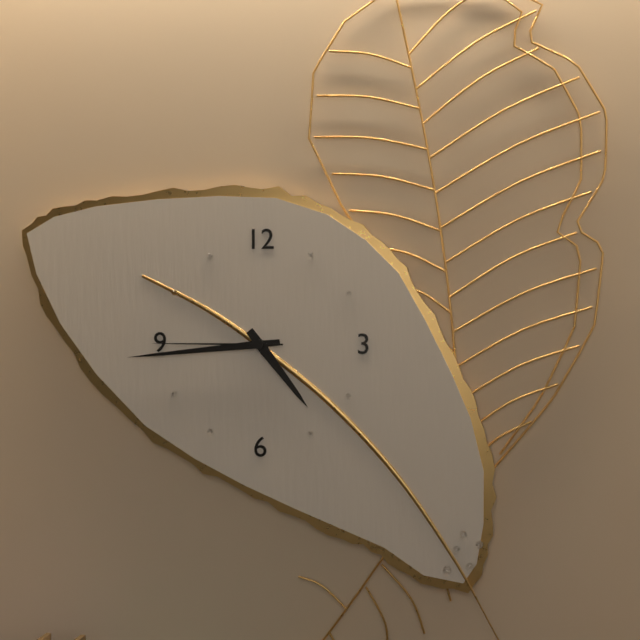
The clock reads 4h44m45s
